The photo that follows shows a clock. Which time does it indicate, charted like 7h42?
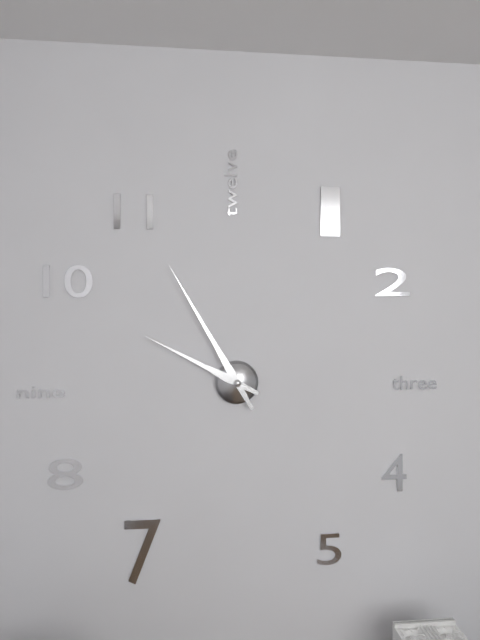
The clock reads 9h55
